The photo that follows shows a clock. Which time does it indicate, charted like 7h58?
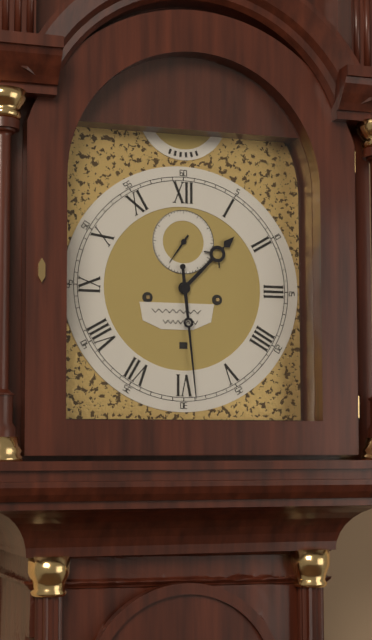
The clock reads 1h29
